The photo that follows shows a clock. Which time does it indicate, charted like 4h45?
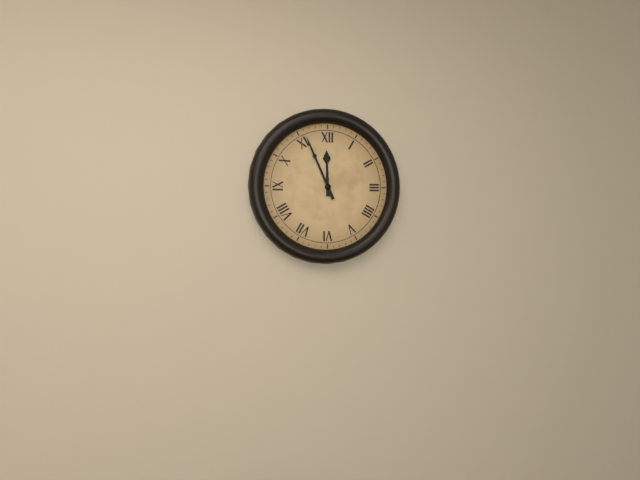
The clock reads 11h56
